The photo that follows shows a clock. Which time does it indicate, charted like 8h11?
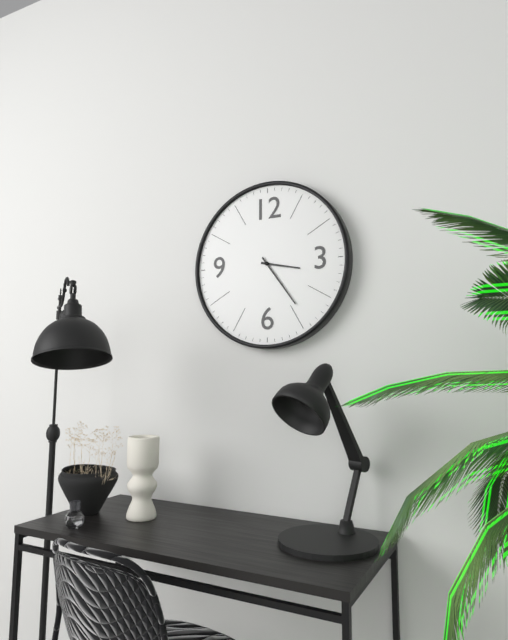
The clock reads 3h24
